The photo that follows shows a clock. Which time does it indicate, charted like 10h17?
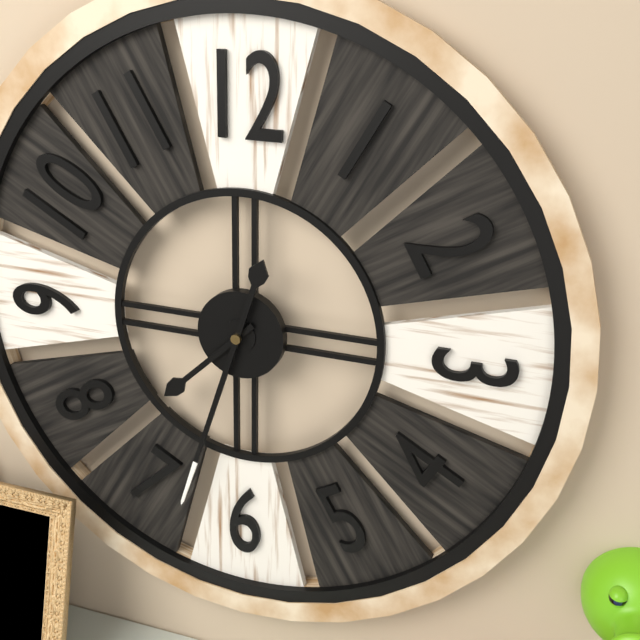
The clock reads 7h33
